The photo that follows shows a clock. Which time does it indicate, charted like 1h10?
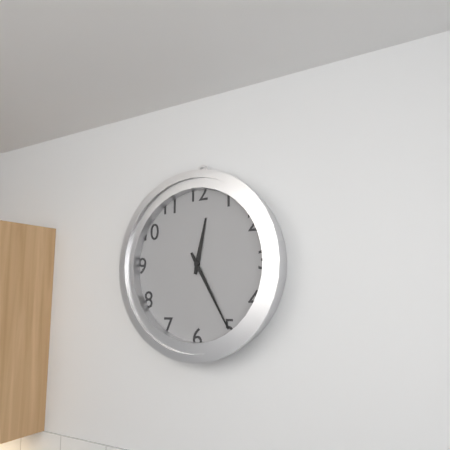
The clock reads 12h25
